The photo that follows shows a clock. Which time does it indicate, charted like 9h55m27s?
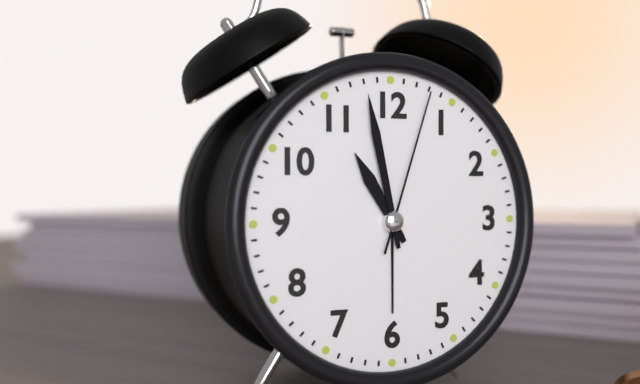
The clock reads 10h58m03s
